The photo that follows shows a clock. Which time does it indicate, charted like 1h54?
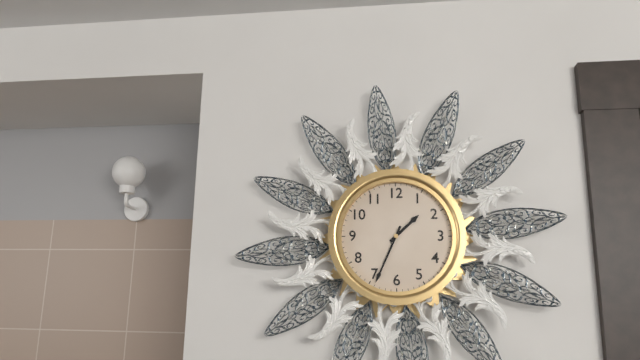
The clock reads 1h34
